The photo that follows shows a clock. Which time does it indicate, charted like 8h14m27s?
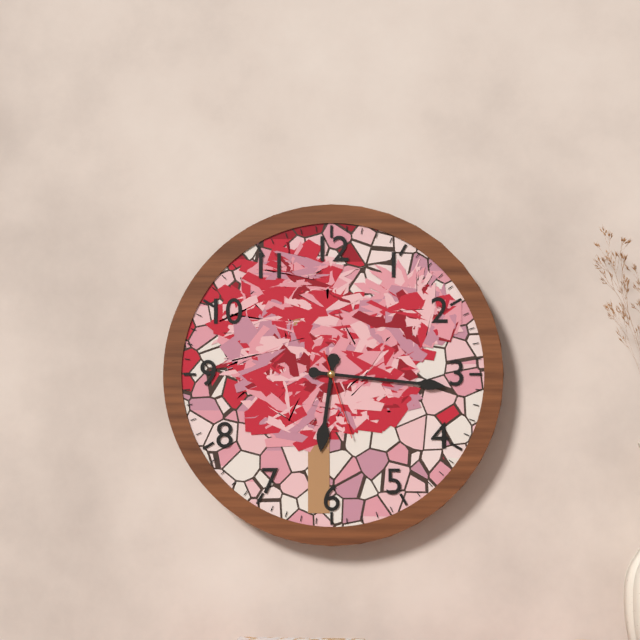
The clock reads 6h16m27s
